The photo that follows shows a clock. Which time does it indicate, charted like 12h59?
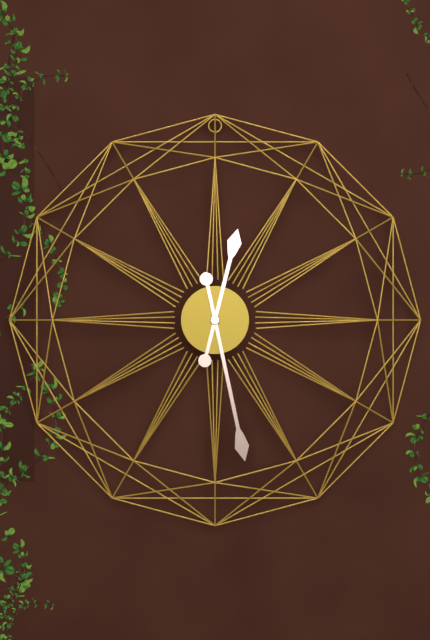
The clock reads 12h28
